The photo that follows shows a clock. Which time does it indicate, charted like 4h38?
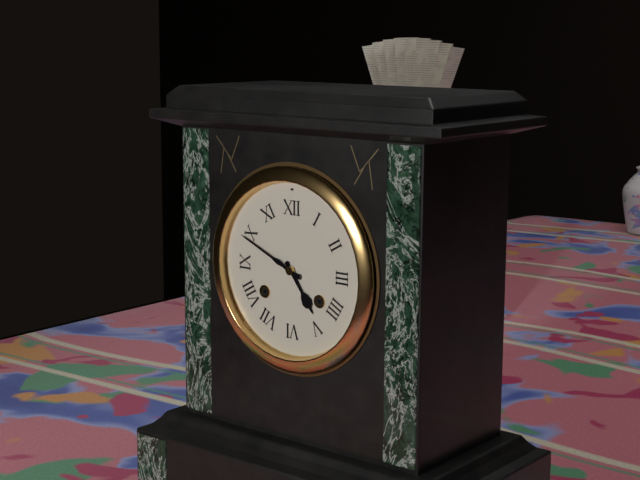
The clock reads 4h49
